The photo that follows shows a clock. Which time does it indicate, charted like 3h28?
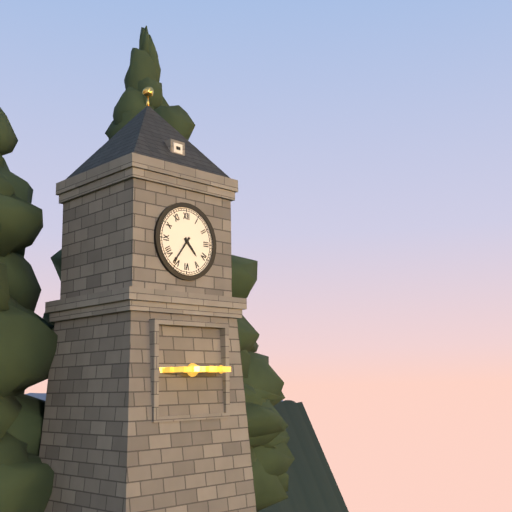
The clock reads 4h36
